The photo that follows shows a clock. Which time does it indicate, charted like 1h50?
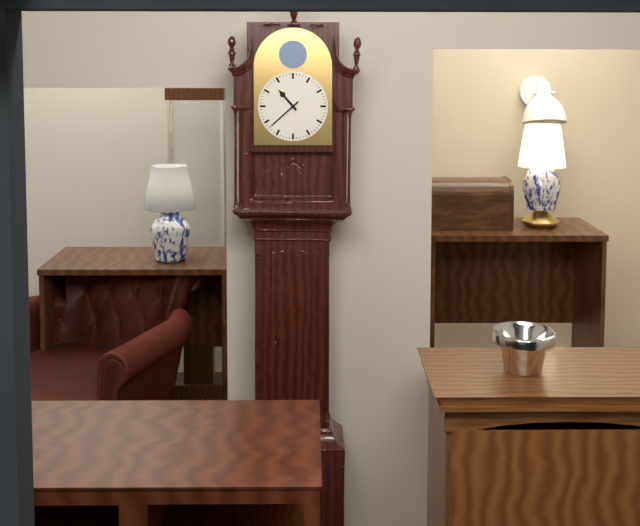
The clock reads 10h38
